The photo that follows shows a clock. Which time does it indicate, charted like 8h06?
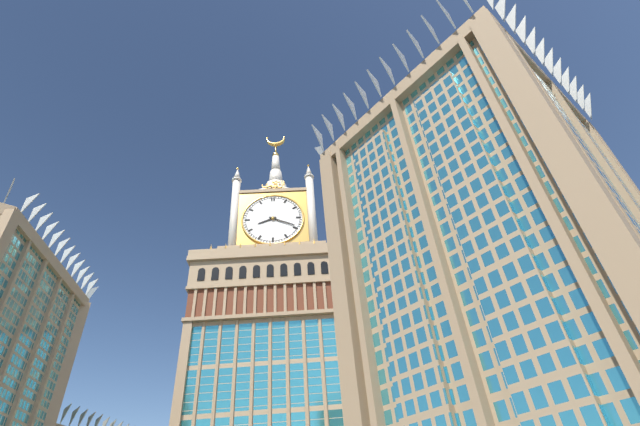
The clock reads 8h19
